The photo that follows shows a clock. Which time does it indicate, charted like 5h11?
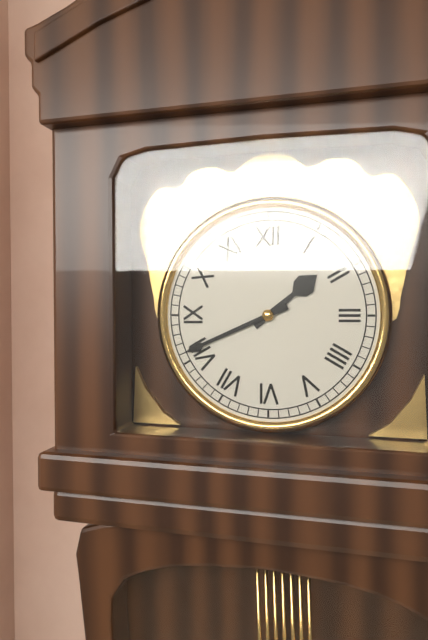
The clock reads 1h41
